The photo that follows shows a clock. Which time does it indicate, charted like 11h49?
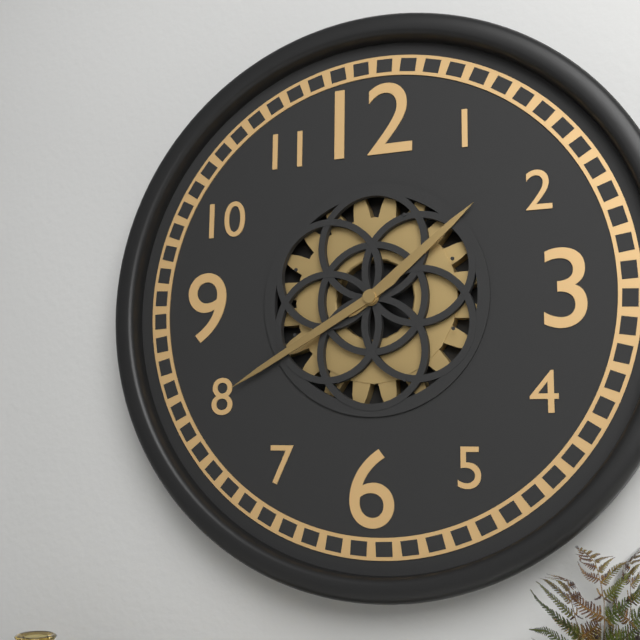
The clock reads 1h40
